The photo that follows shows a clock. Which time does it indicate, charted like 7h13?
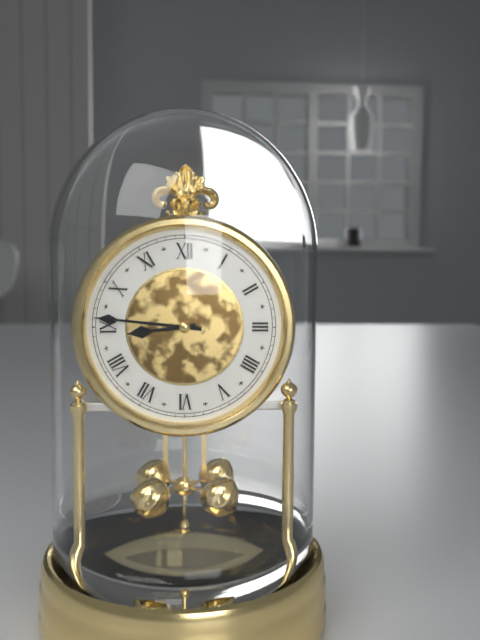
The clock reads 8h46
